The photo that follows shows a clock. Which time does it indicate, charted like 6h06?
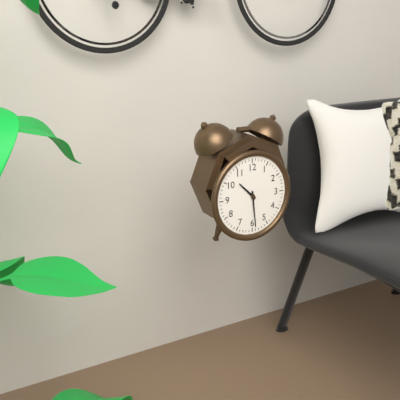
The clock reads 10h29
